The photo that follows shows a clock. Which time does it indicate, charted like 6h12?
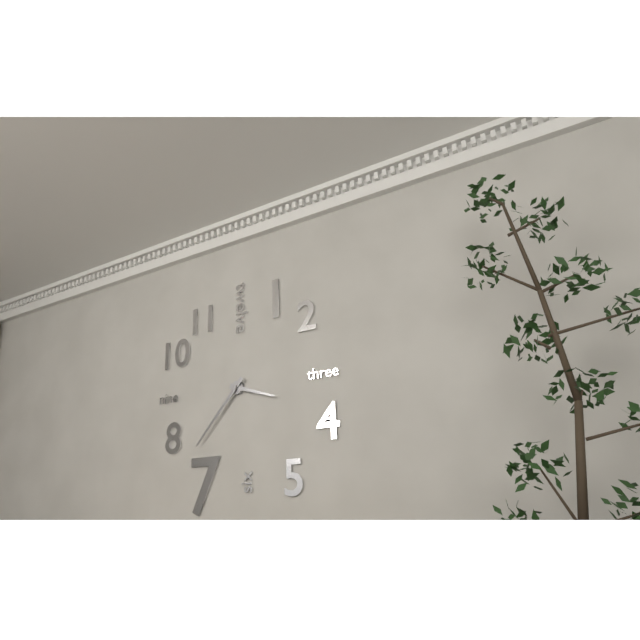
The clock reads 3h37
